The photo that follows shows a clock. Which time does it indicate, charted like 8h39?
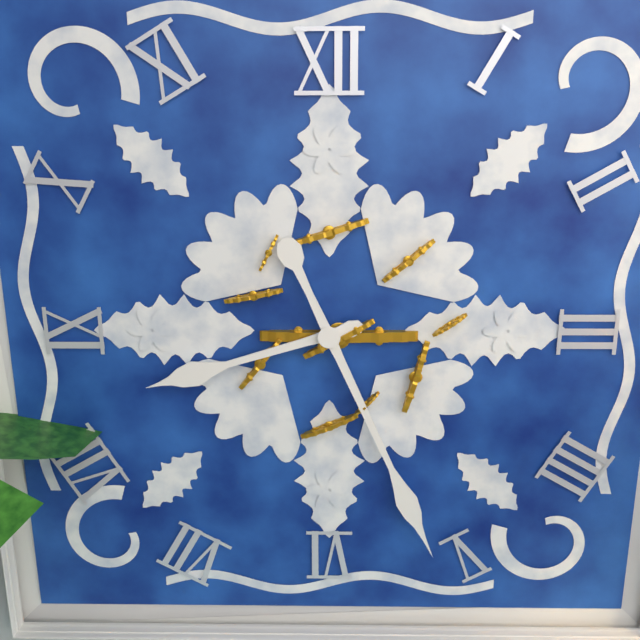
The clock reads 8h26
